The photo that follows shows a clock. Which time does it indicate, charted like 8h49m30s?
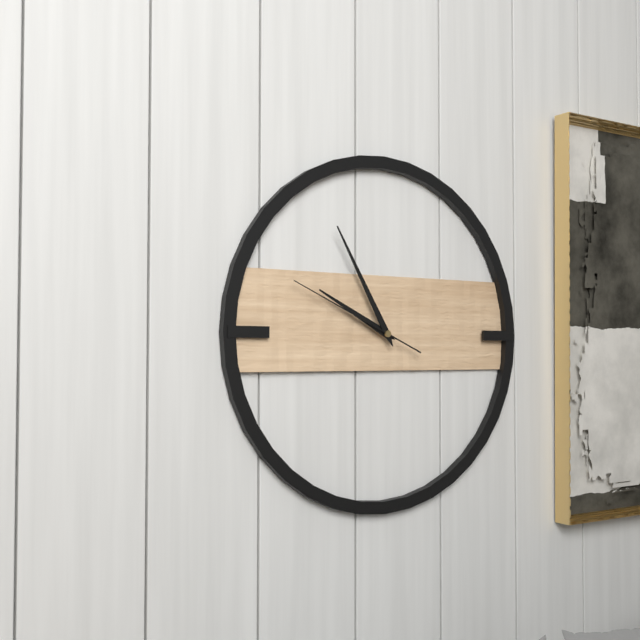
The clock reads 9h55m49s
